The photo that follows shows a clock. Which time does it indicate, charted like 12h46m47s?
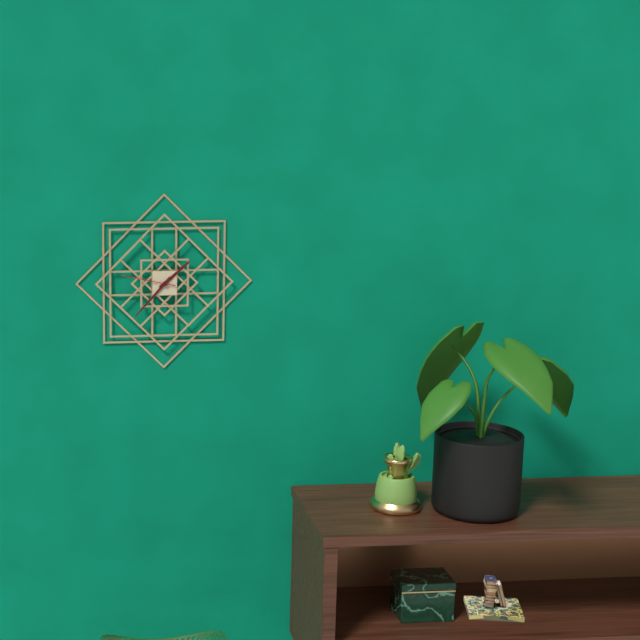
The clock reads 1h37m47s
